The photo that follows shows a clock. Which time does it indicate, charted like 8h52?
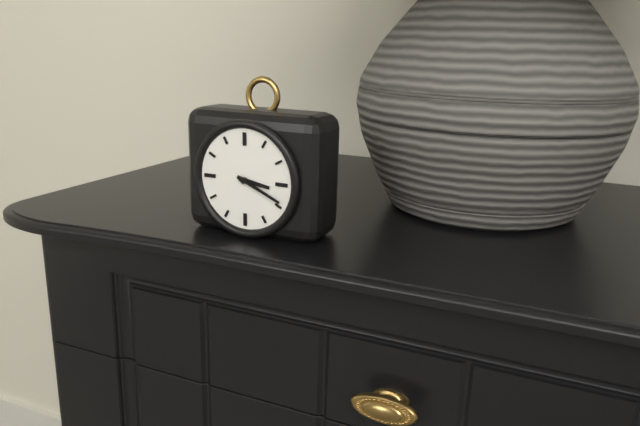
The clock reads 3h19
